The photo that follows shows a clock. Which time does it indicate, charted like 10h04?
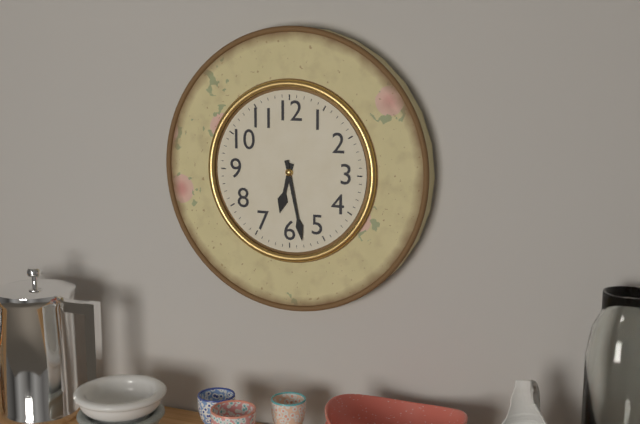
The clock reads 6h28
